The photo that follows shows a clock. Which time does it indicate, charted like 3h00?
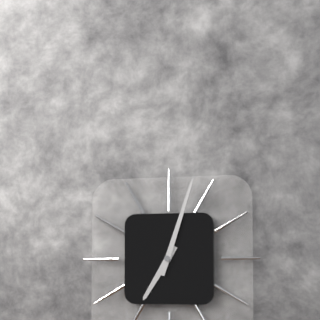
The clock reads 7h03
